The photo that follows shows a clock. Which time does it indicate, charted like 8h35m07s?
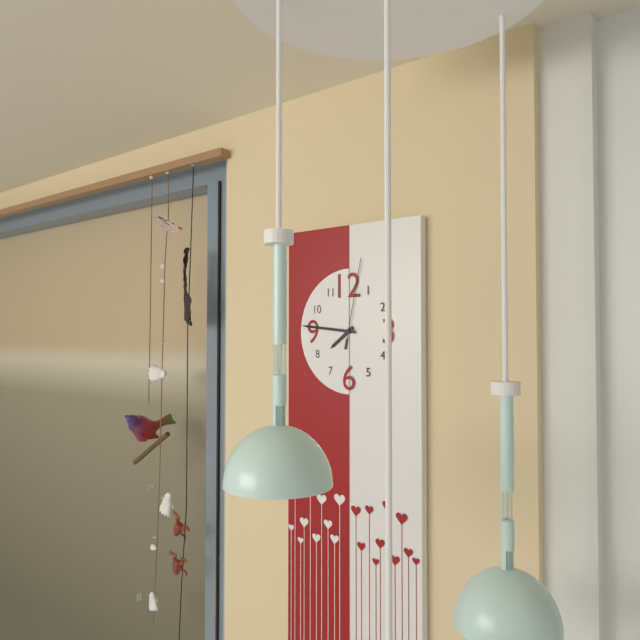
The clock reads 7h46m02s
